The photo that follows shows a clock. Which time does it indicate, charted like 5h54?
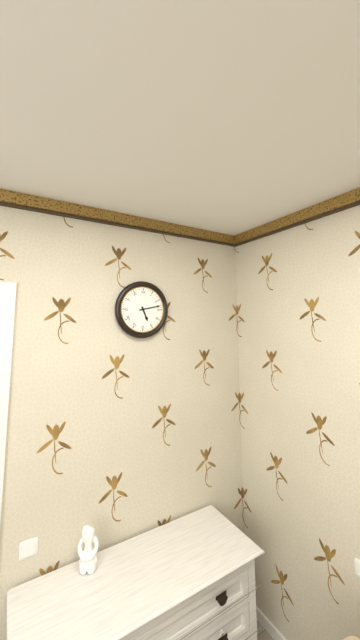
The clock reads 5h13
